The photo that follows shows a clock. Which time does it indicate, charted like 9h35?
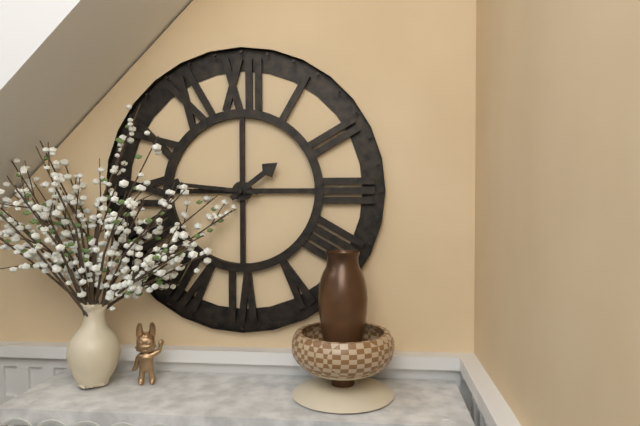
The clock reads 1h46
